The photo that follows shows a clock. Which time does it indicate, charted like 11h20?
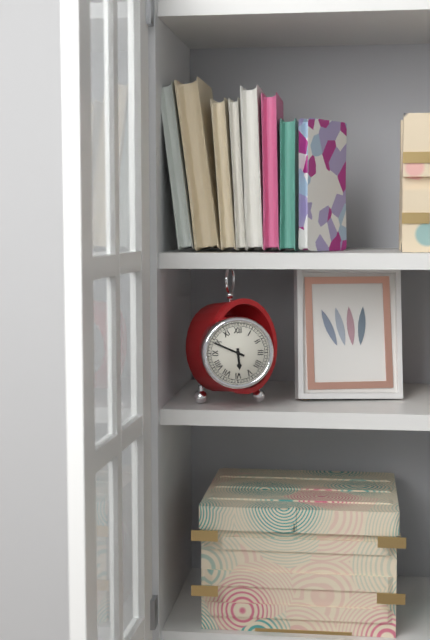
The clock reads 5h49
